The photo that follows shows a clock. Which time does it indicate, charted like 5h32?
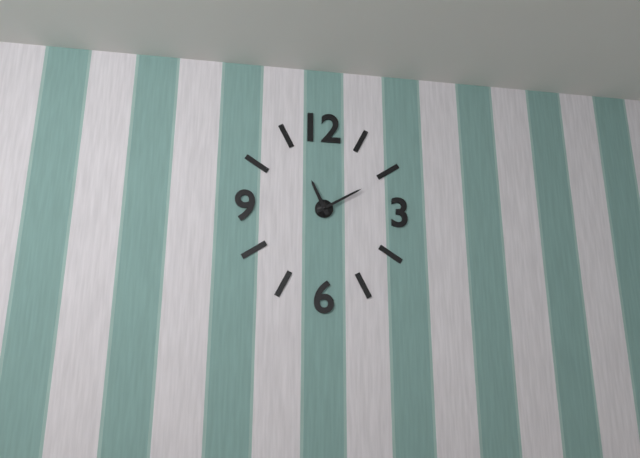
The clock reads 11h10
